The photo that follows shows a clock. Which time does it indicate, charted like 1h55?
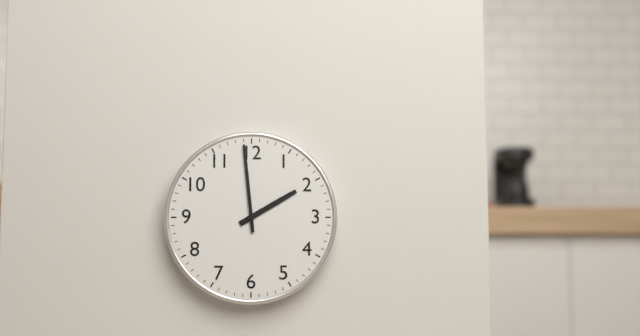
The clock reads 1h59
